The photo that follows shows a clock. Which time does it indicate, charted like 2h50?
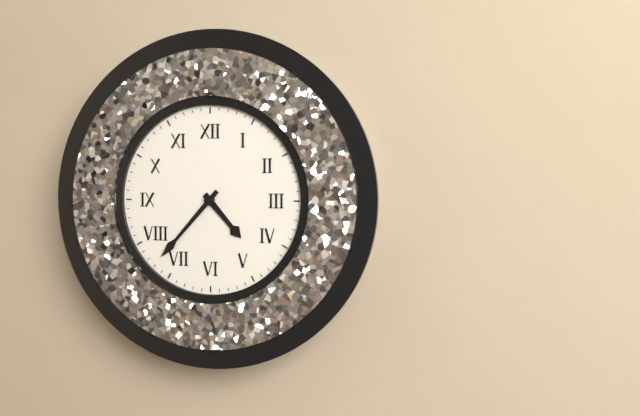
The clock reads 4h37
